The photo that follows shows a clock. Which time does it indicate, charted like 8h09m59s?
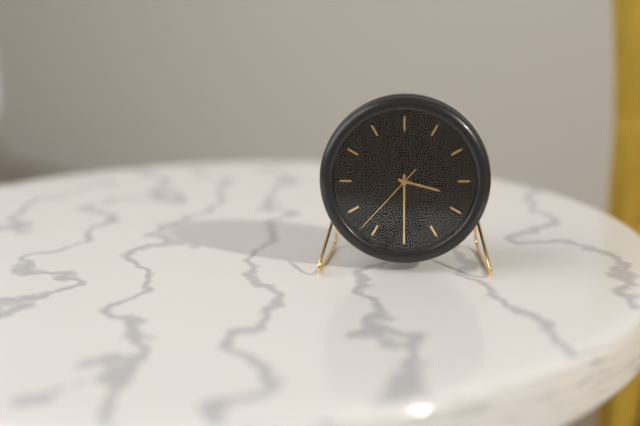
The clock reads 3h30m37s
